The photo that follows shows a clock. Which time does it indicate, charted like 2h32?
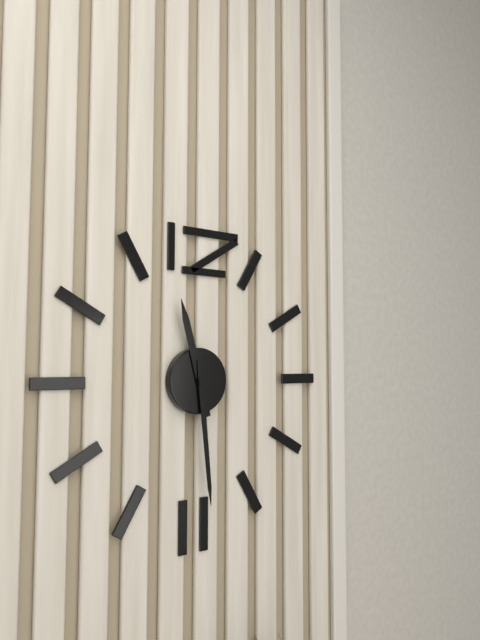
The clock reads 11h29
